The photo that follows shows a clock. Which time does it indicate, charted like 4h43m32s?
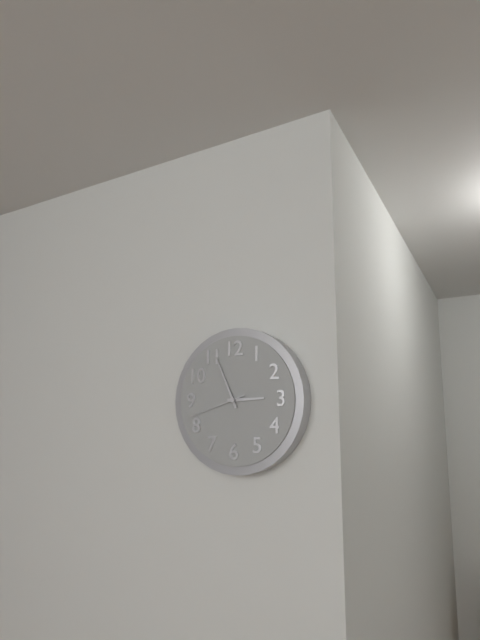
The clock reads 2h56m42s
